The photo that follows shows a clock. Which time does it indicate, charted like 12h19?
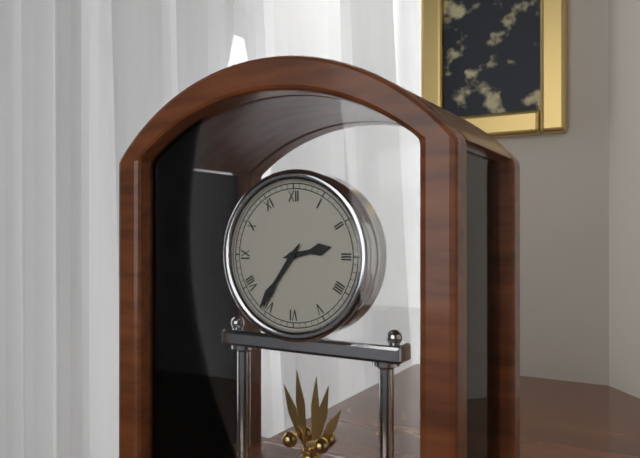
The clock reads 2h36
